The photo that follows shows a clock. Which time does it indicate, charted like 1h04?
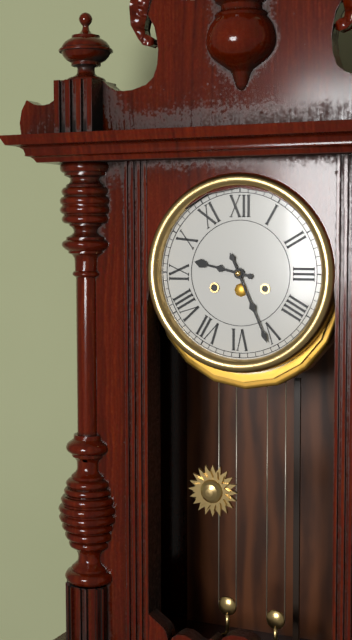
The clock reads 9h26
